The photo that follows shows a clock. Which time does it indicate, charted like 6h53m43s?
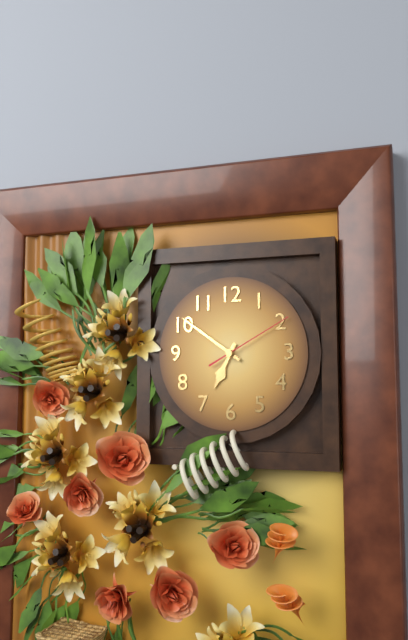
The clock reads 6h51m10s
